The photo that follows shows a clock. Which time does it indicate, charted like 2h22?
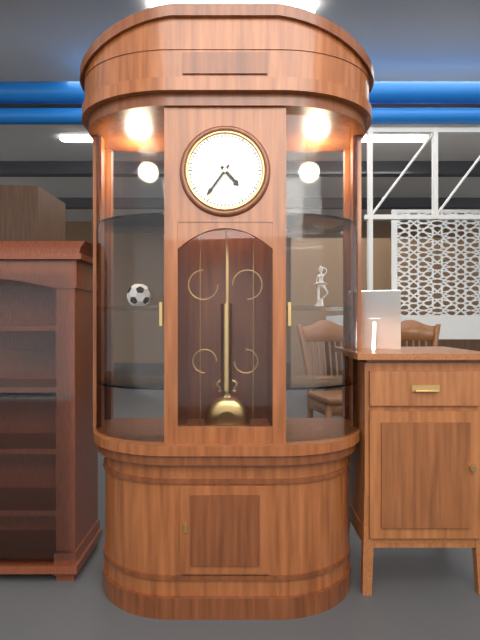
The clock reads 4h36
